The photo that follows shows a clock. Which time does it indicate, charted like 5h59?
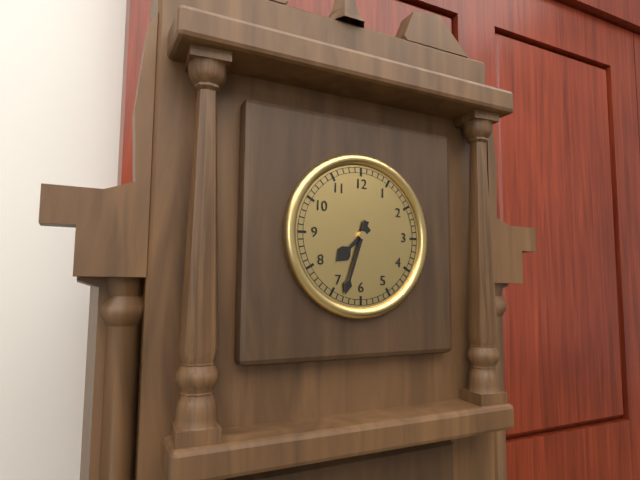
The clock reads 7h33
